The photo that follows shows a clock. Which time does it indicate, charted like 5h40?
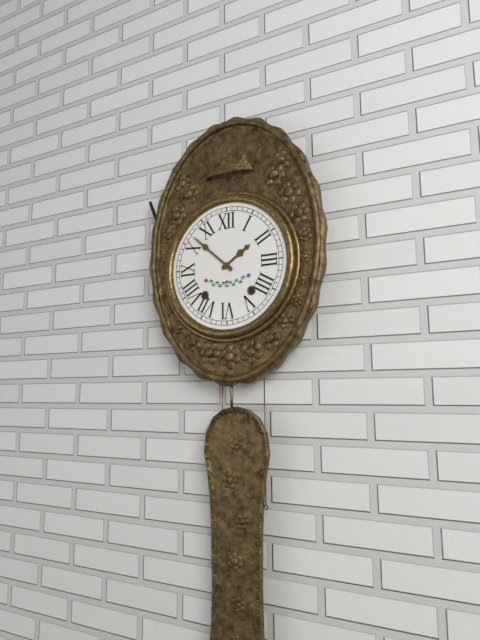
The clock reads 1h52
